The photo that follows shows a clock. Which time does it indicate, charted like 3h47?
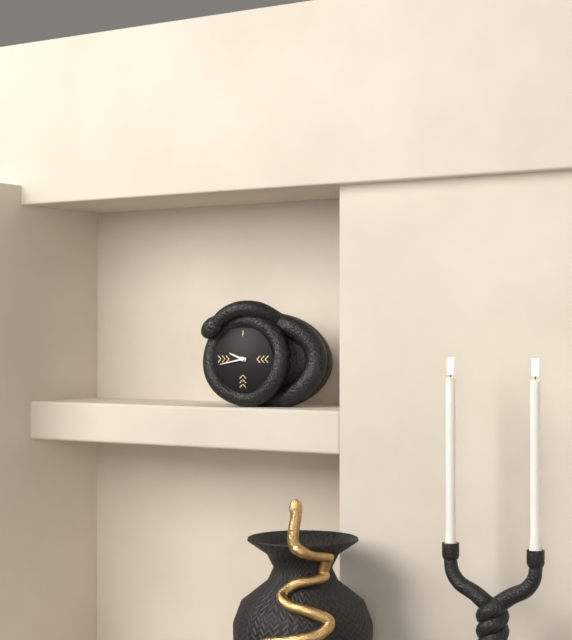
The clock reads 9h43
